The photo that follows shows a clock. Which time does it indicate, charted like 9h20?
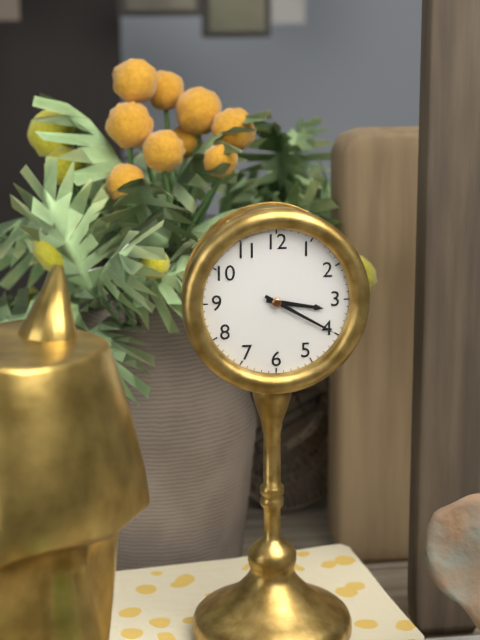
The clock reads 3h20
